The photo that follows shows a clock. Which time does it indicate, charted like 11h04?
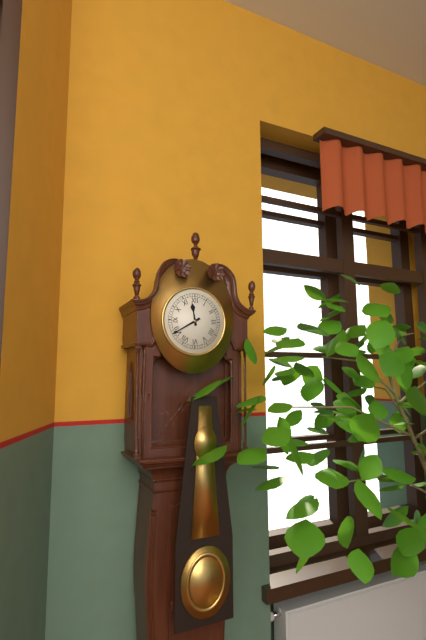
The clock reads 11h40
